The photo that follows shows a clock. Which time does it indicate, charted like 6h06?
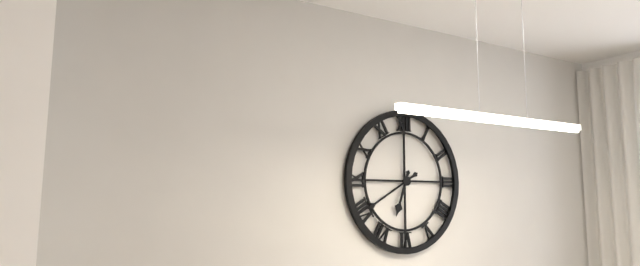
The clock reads 6h40
